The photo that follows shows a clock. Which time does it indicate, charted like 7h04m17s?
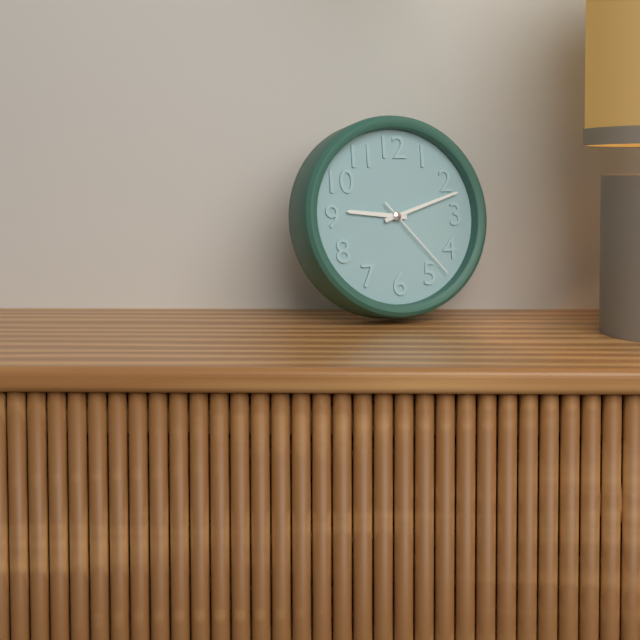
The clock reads 9h12m23s
